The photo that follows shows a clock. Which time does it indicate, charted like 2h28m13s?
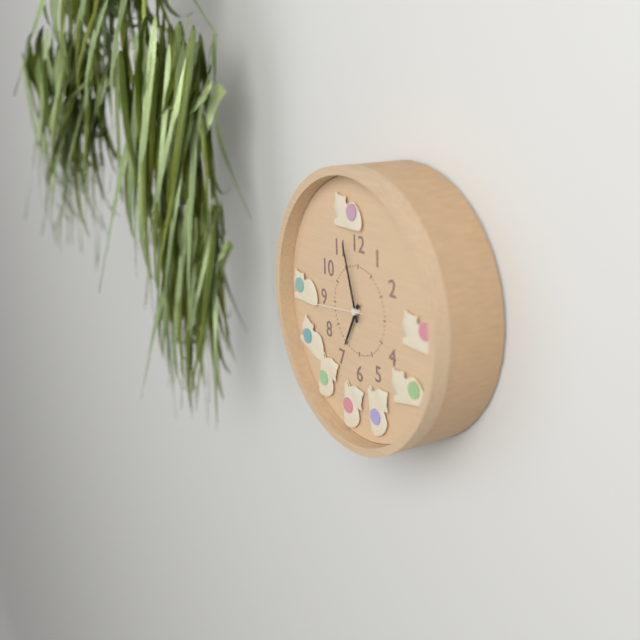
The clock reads 6h57m44s
